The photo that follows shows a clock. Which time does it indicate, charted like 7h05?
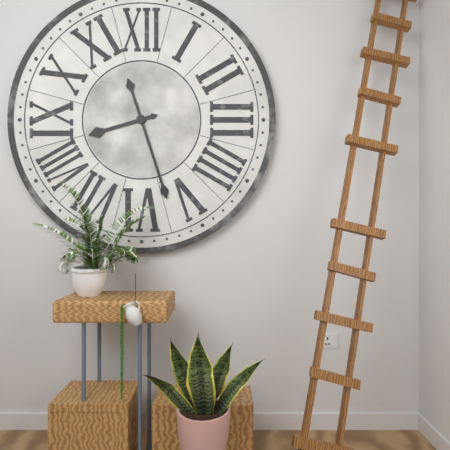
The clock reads 8h27
